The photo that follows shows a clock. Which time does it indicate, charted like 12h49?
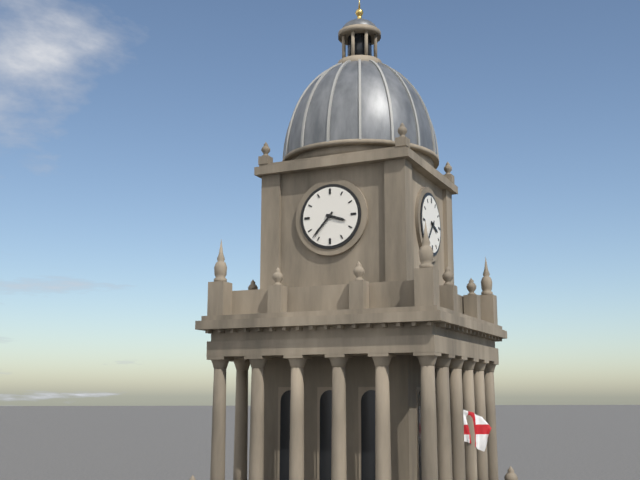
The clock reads 3h37
